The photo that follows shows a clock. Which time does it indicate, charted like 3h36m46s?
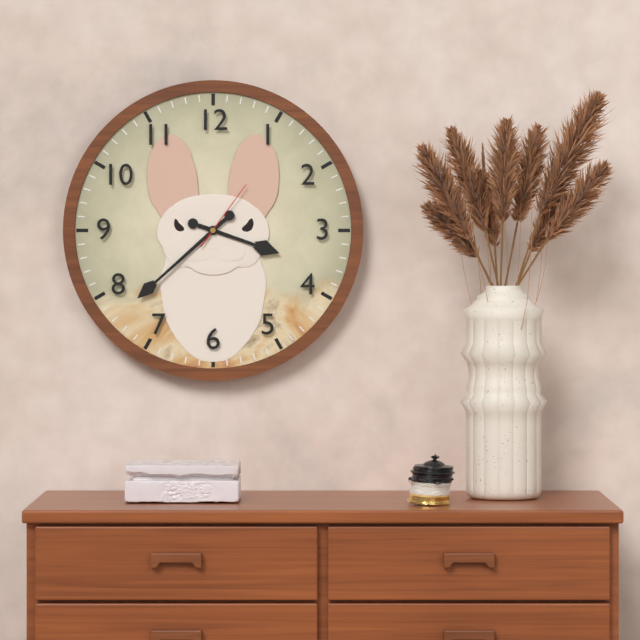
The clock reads 3h38m06s
